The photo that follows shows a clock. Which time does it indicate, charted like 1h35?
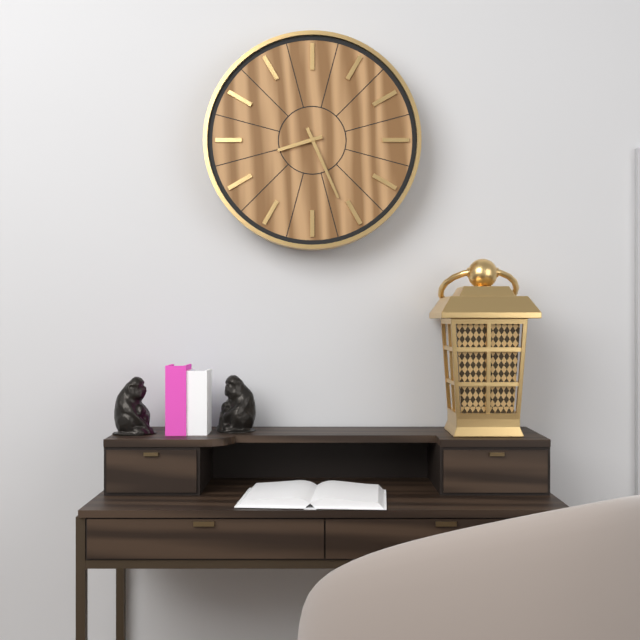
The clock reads 8h26
